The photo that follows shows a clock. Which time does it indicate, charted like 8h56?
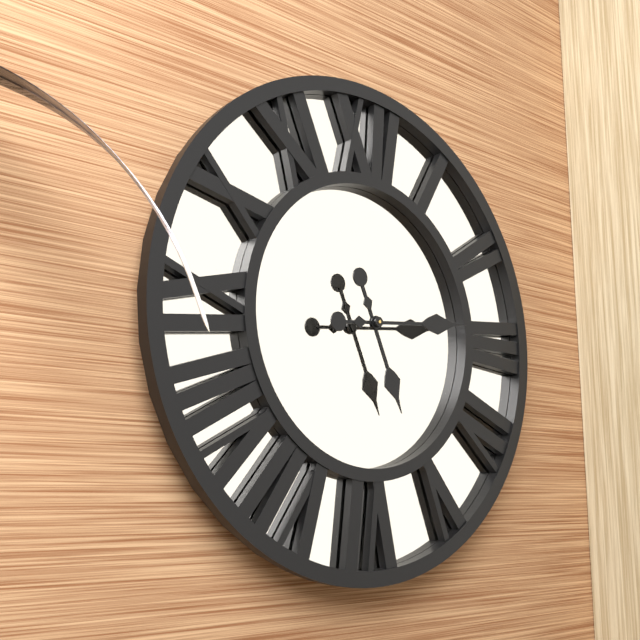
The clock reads 5h14
